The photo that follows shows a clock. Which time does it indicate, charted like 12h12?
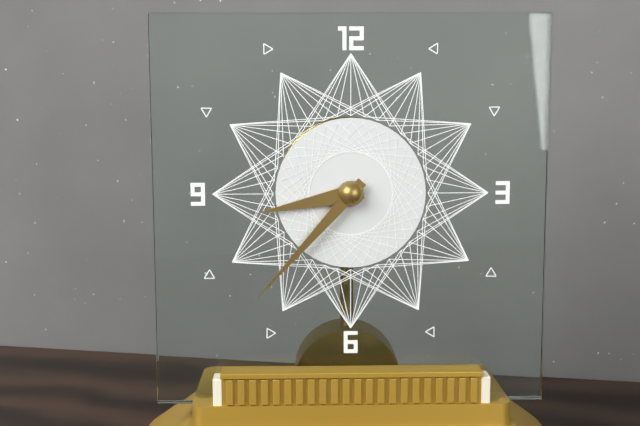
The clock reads 8h37
